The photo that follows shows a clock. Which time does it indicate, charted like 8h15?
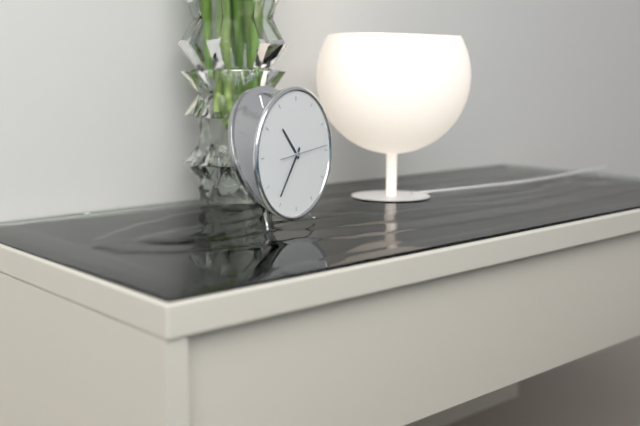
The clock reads 10h36
